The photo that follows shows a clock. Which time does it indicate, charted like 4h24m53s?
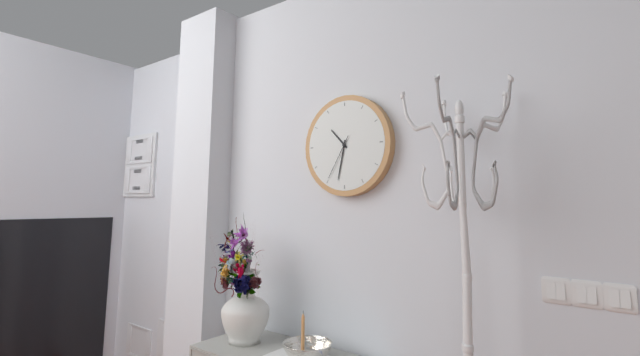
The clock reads 10h32m35s
